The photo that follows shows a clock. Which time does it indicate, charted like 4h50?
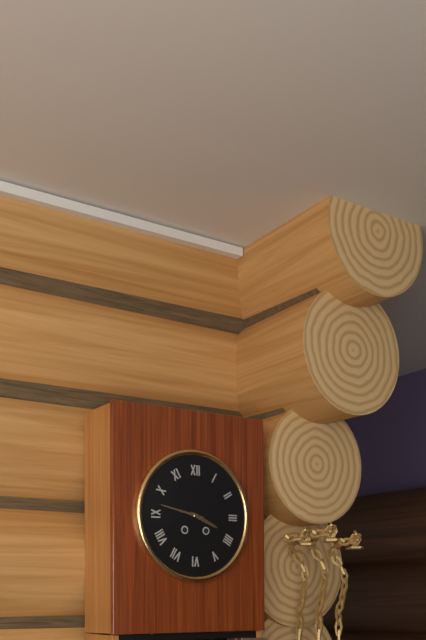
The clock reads 3h47
